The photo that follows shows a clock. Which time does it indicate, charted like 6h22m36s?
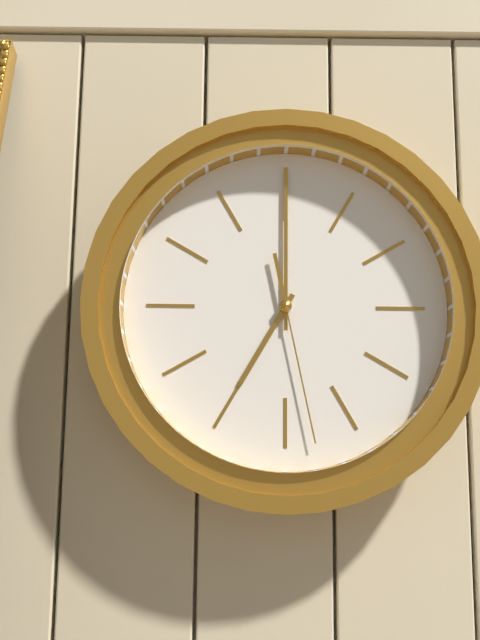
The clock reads 7h00m28s
